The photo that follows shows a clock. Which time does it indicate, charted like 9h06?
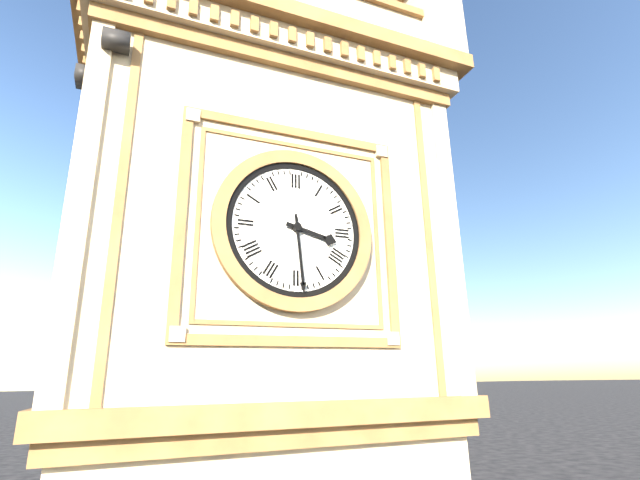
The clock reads 3h29
